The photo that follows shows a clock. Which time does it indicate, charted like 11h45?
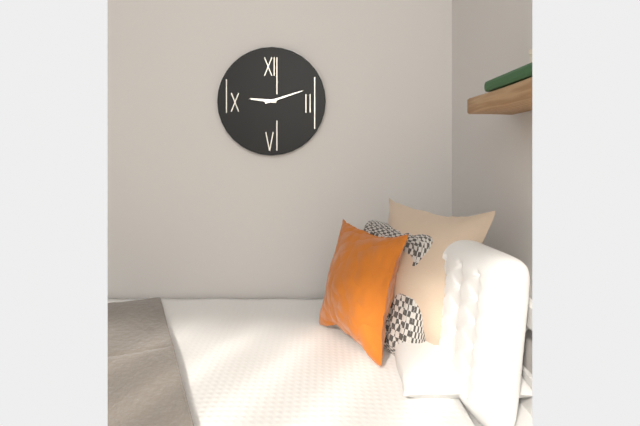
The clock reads 9h12
